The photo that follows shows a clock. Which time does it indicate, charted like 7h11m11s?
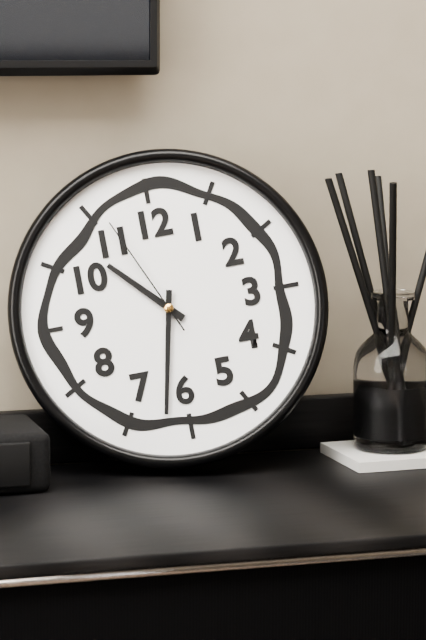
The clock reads 10h32m56s
